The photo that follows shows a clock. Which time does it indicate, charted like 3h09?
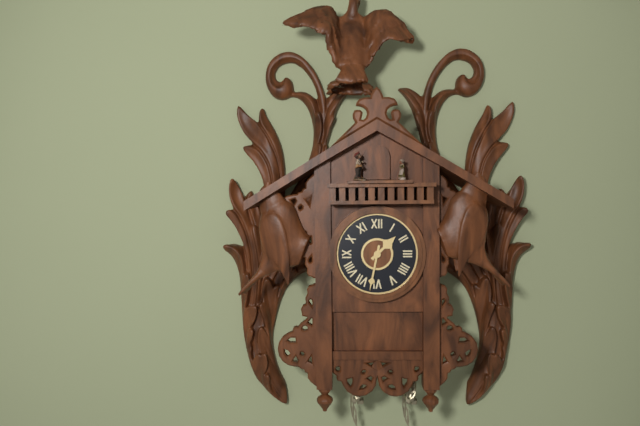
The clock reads 1h32
